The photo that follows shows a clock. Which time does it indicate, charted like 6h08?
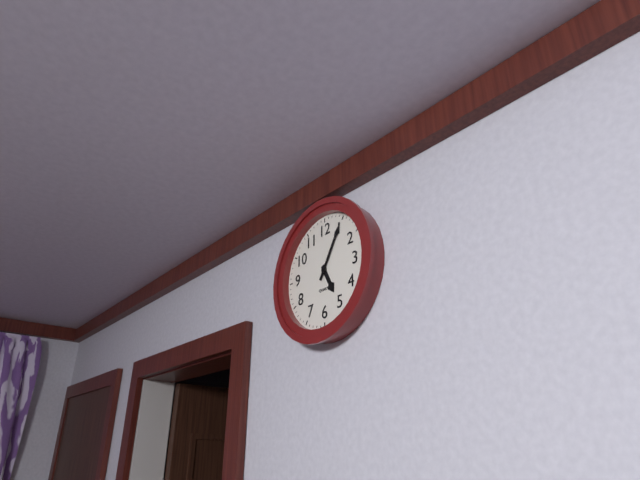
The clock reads 5h05
